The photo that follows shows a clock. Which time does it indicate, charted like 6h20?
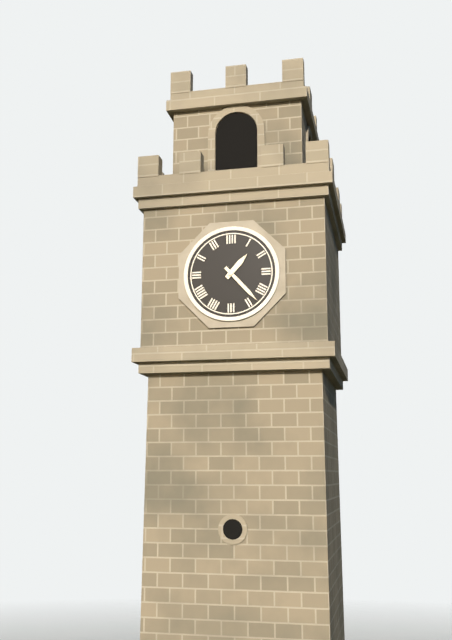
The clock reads 1h23
